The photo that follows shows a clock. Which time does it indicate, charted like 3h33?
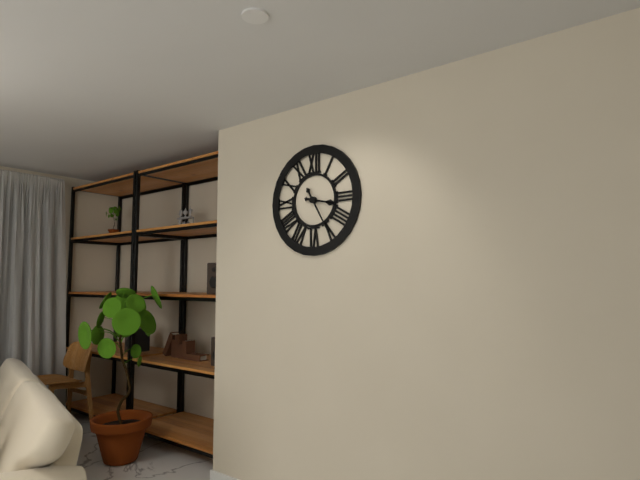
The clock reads 3h25
